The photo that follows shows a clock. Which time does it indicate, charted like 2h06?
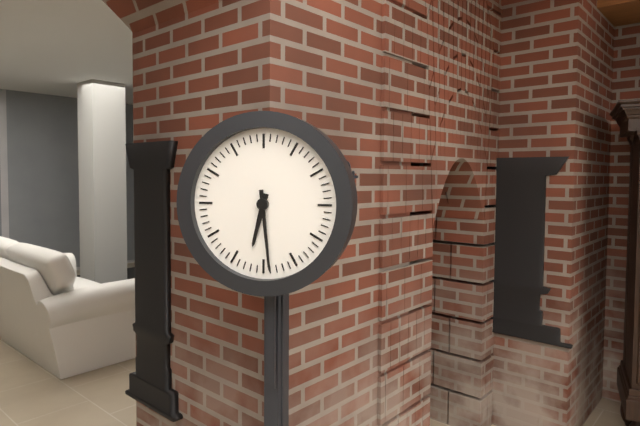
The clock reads 6h29
